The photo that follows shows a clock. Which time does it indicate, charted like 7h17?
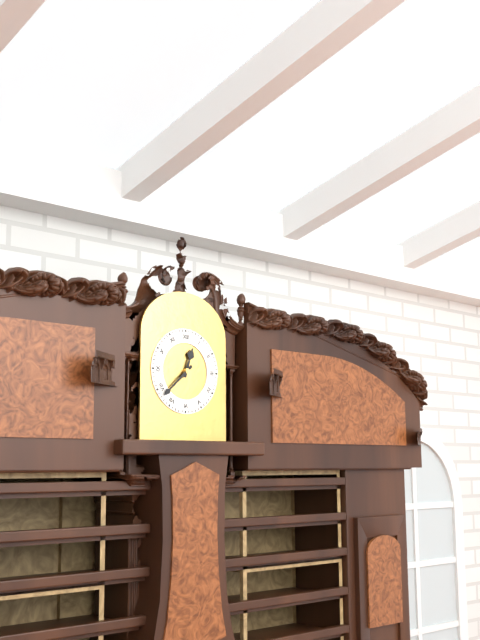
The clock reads 12h38
